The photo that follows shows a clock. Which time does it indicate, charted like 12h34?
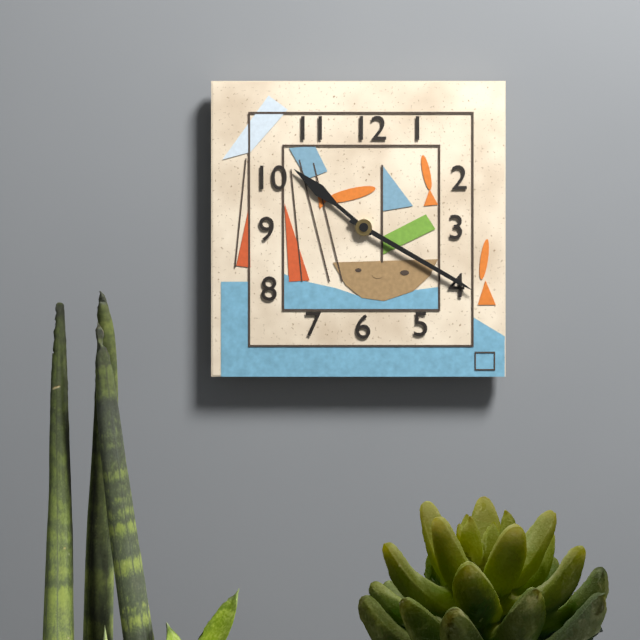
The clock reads 10h20
